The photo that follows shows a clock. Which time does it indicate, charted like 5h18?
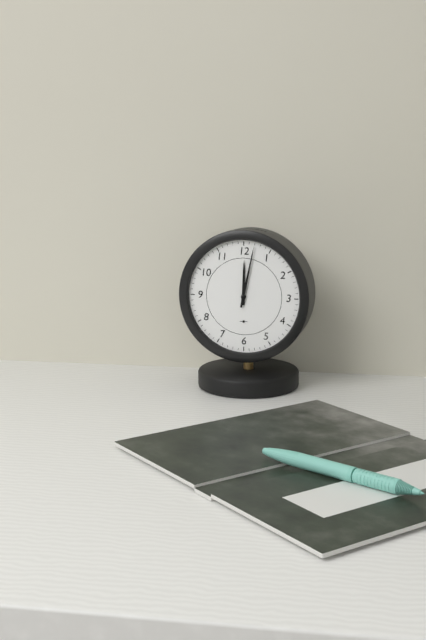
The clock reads 12h02
